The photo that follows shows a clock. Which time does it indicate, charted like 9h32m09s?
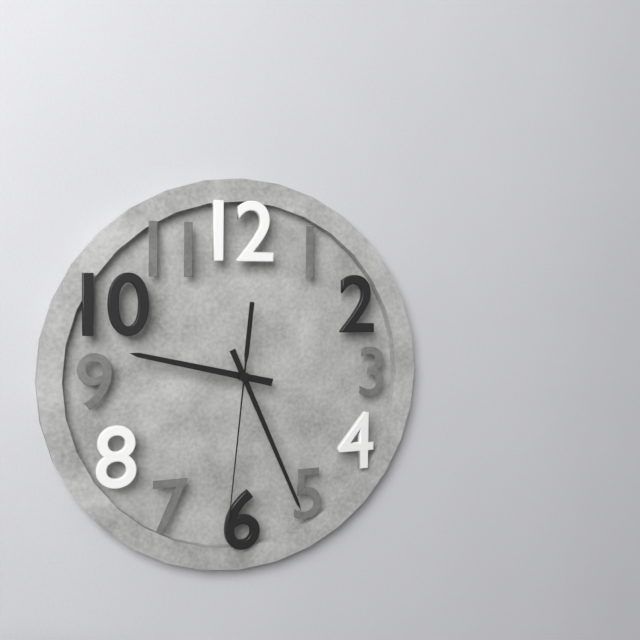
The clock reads 9h26m31s
